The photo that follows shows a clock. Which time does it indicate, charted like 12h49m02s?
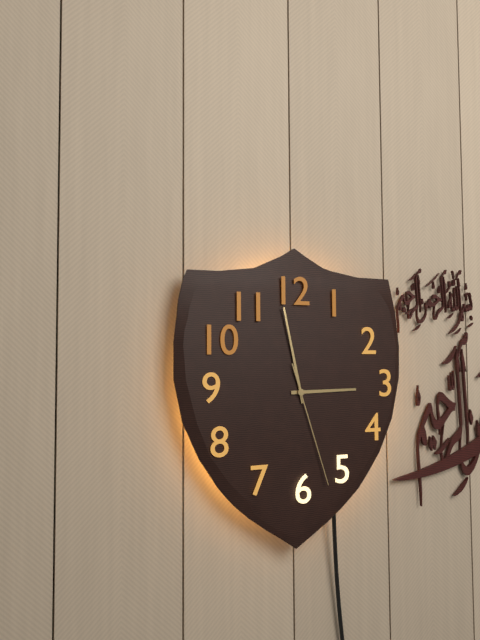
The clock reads 2h58m27s
